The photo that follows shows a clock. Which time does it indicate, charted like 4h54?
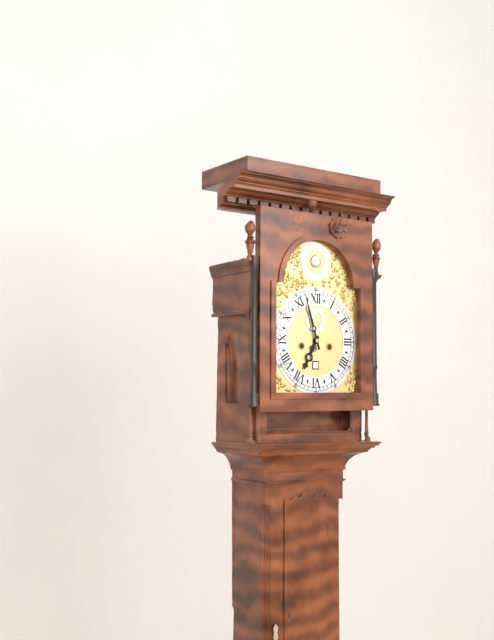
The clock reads 6h57
